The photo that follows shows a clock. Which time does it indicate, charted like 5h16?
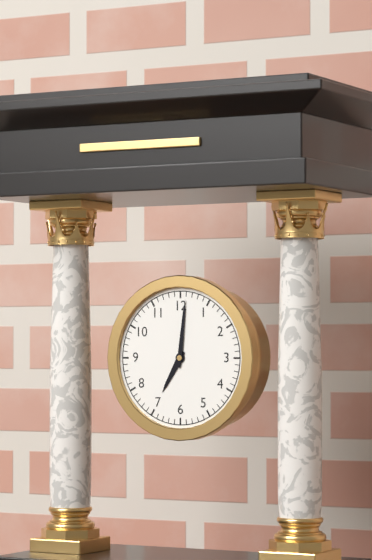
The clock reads 7h01
